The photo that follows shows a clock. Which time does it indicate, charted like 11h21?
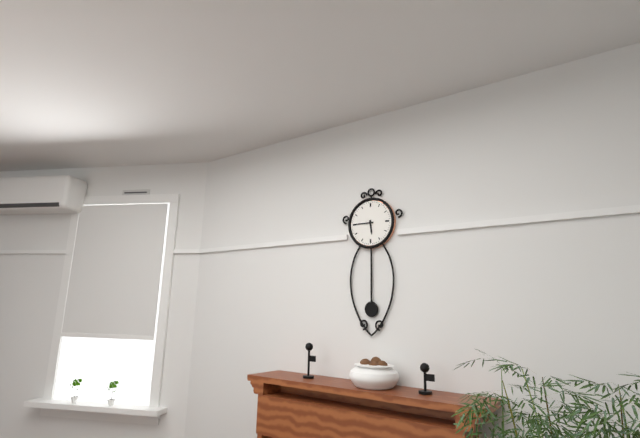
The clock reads 5h45
